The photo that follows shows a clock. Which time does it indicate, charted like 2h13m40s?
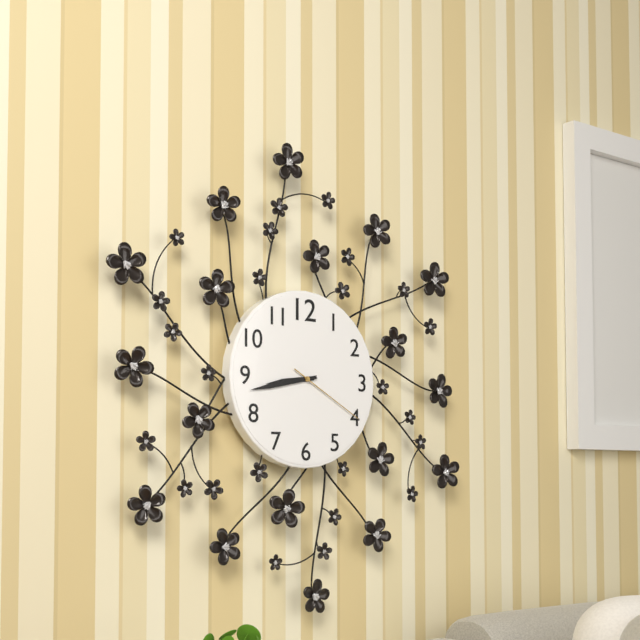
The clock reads 8h43m20s
